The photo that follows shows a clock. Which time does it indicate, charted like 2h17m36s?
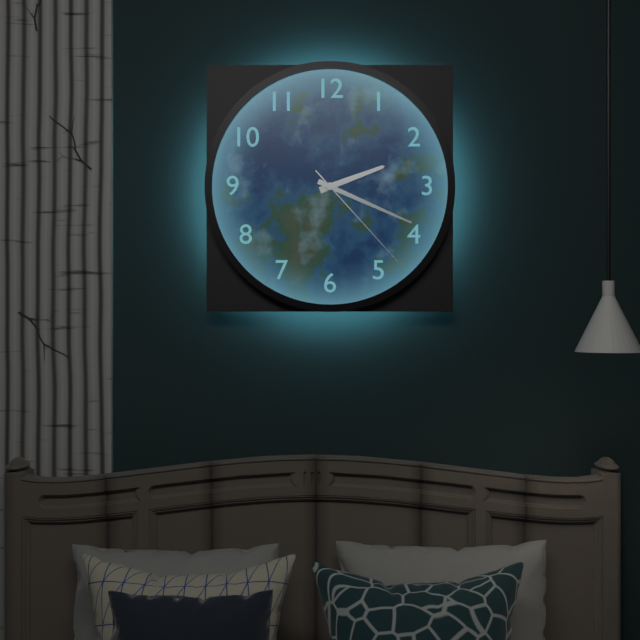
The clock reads 2h19m23s
